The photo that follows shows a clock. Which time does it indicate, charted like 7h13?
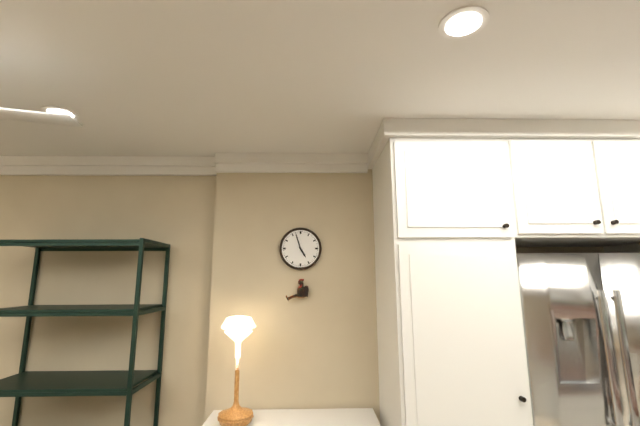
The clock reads 4h57
